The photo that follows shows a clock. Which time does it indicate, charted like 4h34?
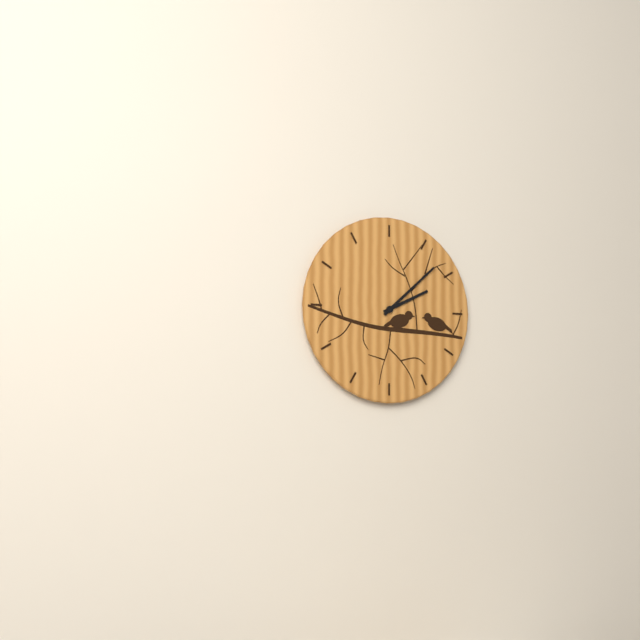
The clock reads 2h08
